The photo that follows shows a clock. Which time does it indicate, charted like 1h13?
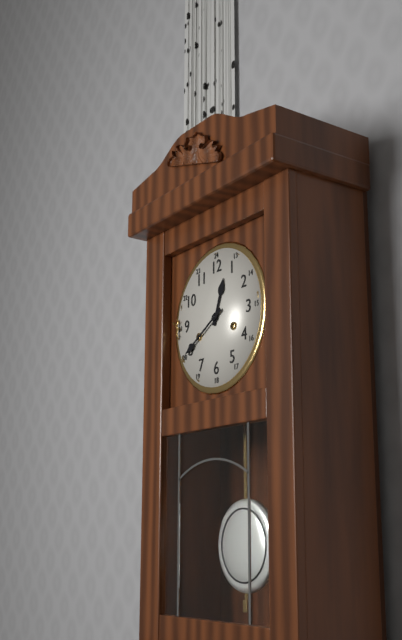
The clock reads 12h40
